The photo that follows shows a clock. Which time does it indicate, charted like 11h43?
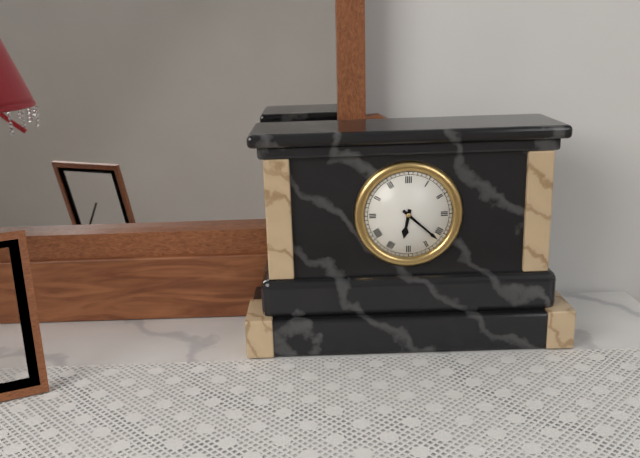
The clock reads 6h22
